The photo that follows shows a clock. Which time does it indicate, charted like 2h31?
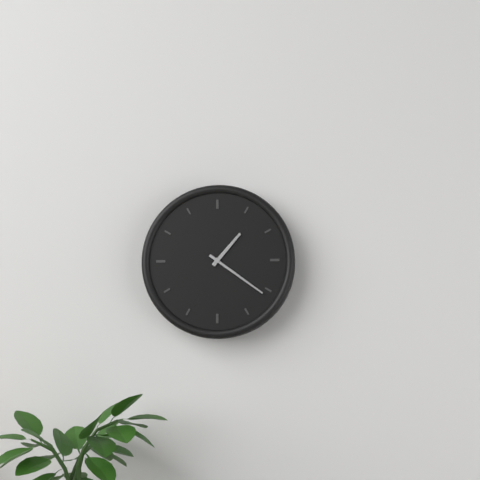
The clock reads 1h21
